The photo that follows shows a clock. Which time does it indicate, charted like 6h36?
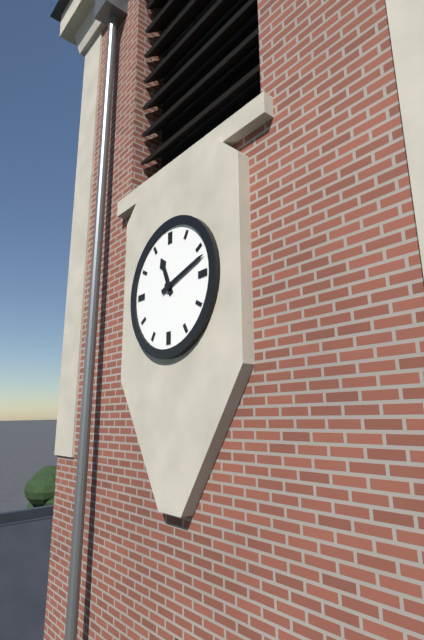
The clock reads 11h12
